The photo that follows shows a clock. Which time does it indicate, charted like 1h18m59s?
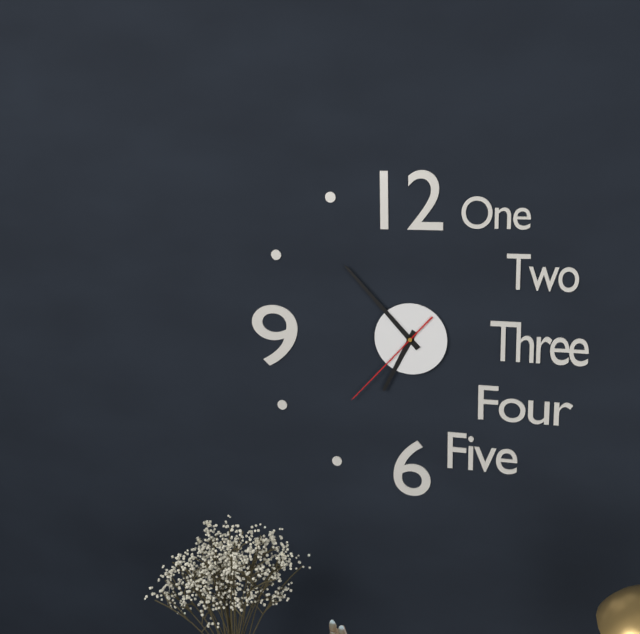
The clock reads 6h53m37s
